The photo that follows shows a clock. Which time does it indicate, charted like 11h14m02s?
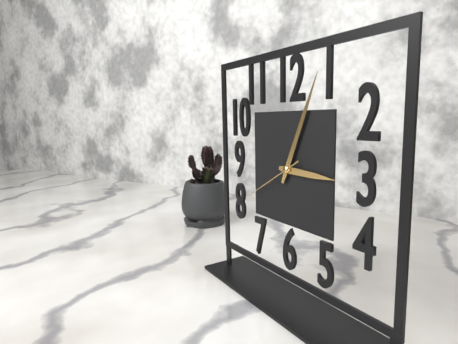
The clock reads 3h04m40s
